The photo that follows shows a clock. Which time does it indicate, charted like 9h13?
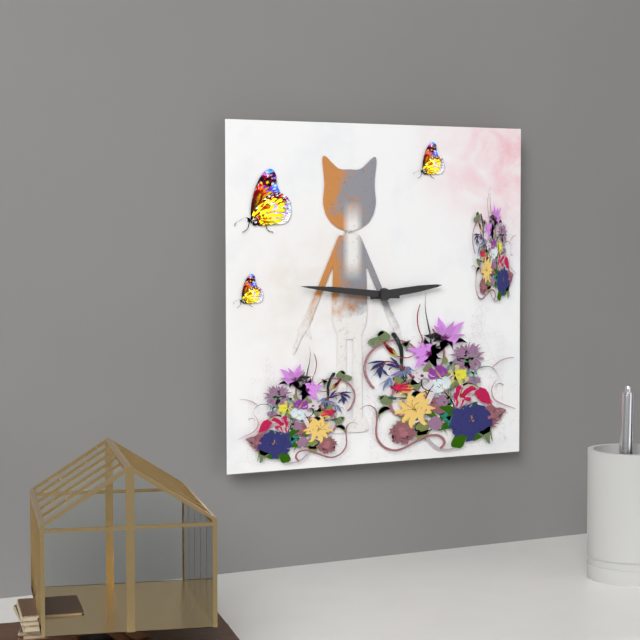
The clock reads 2h46
